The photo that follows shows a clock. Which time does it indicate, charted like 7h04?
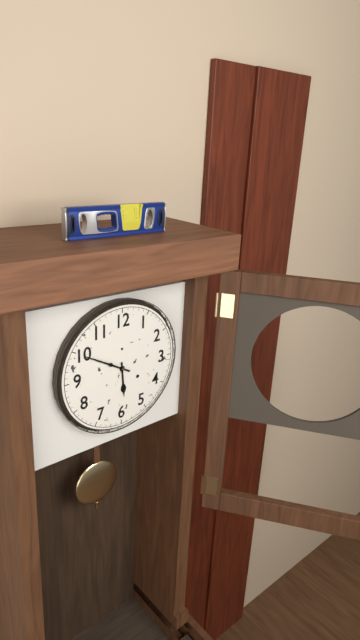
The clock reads 5h50
